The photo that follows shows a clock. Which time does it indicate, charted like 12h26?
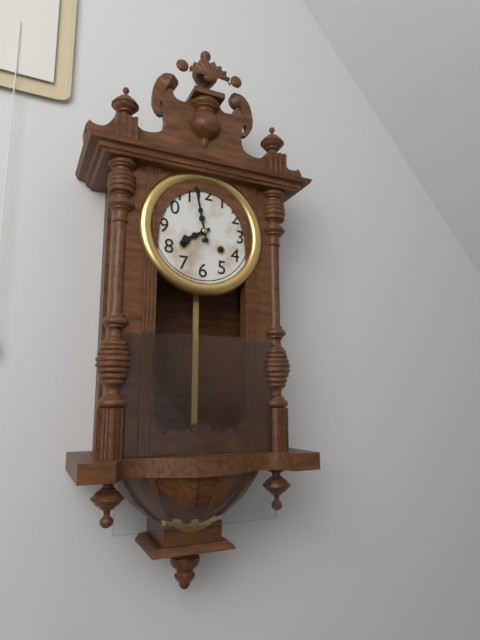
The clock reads 7h58
